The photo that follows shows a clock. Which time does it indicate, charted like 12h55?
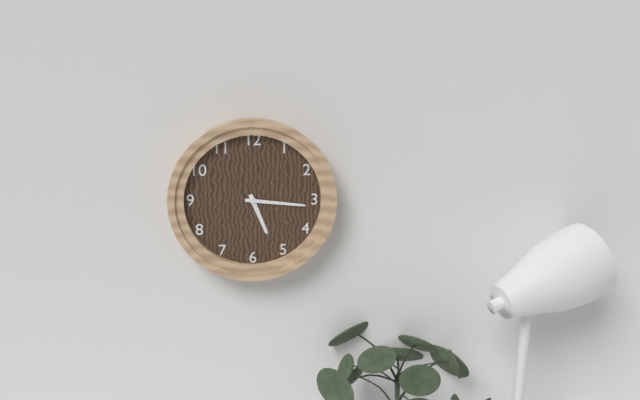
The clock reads 5h16
